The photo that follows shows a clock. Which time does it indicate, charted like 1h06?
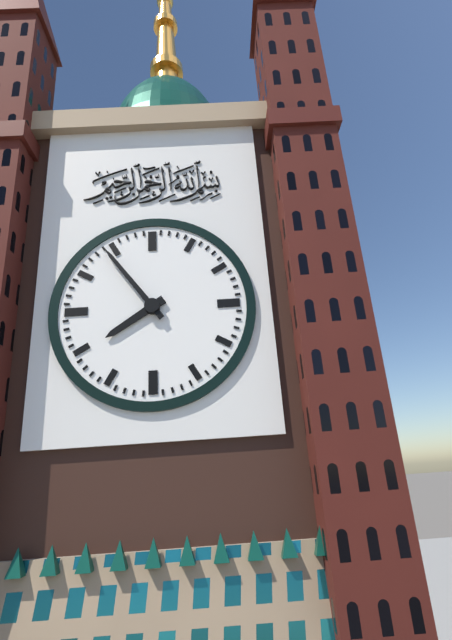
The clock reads 7h54
